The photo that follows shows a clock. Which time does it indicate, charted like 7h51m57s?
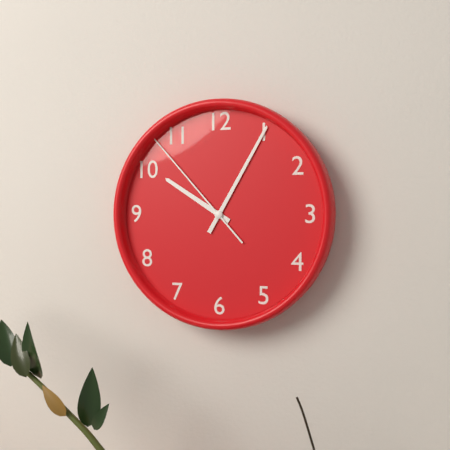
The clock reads 10h05m53s
